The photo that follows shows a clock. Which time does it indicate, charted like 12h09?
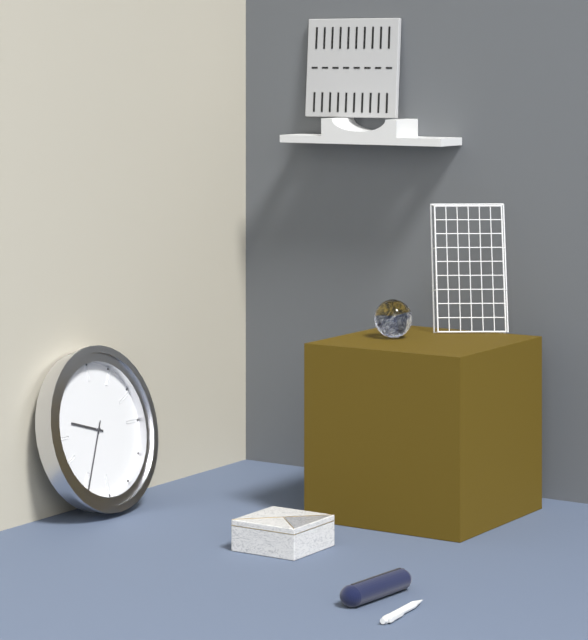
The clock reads 9h35
